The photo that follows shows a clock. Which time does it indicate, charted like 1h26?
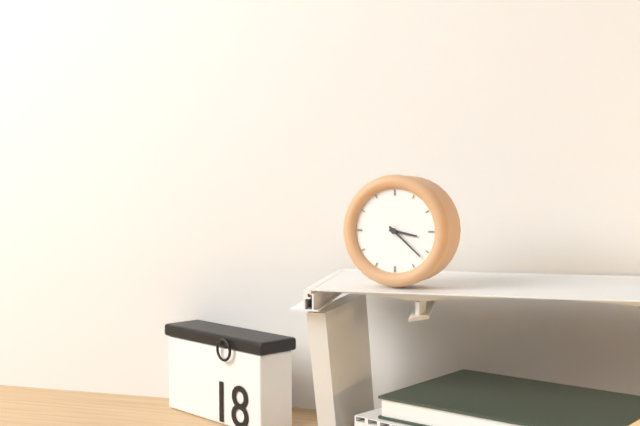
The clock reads 3h22
